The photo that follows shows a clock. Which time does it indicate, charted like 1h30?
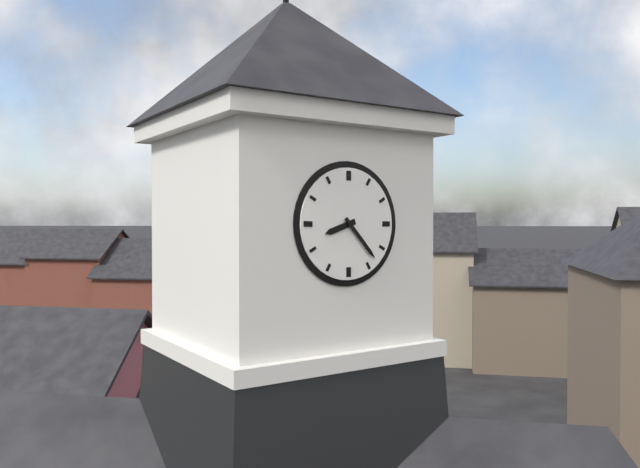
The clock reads 8h23
